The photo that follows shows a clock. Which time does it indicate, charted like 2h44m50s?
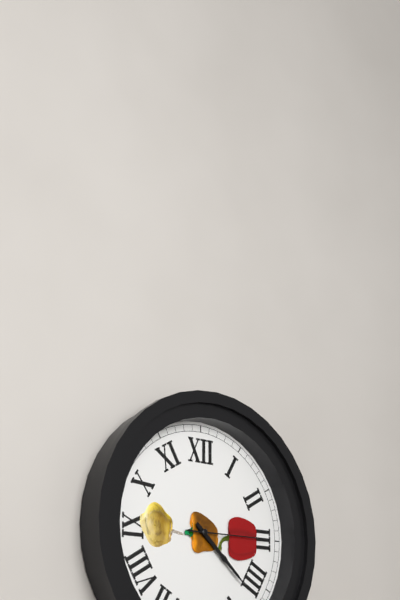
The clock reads 4h22m15s
